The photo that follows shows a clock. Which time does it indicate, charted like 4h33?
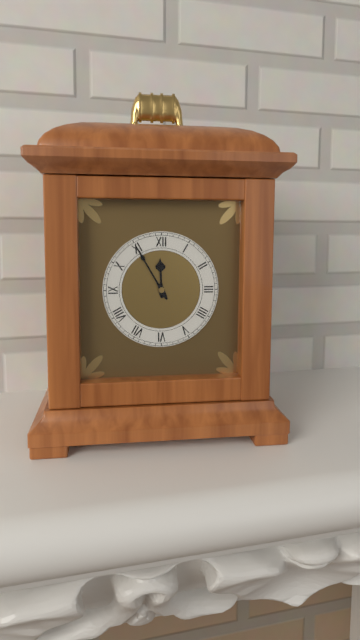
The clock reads 11h55
